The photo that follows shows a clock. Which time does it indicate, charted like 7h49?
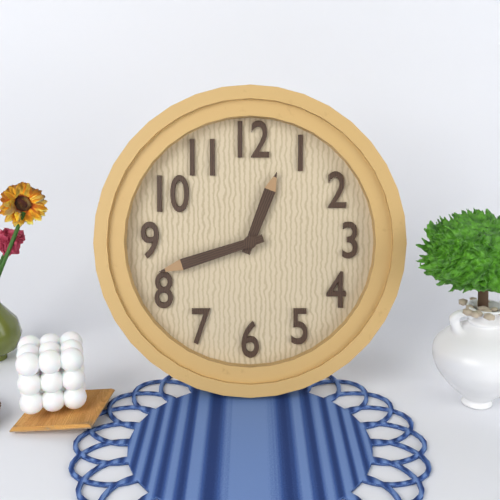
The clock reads 12h42
